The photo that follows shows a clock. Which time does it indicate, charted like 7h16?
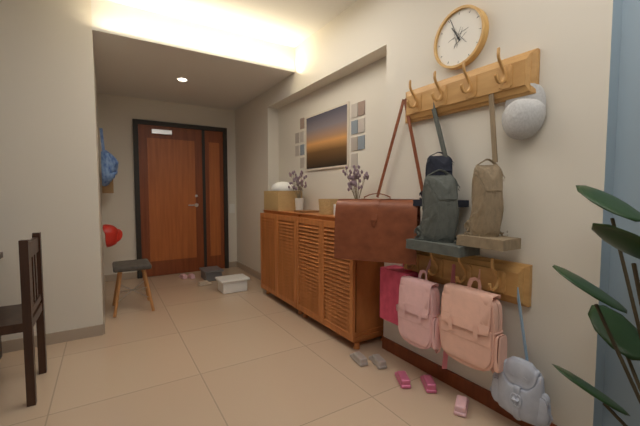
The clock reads 10h56
